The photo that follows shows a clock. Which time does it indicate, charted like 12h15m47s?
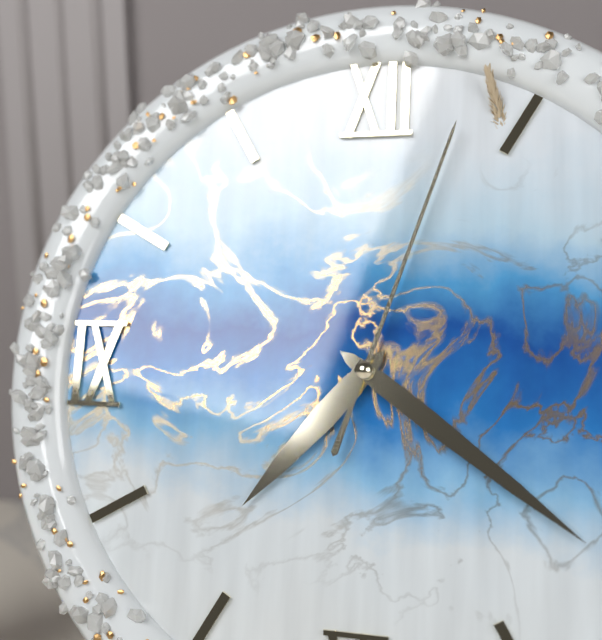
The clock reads 7h21m03s
